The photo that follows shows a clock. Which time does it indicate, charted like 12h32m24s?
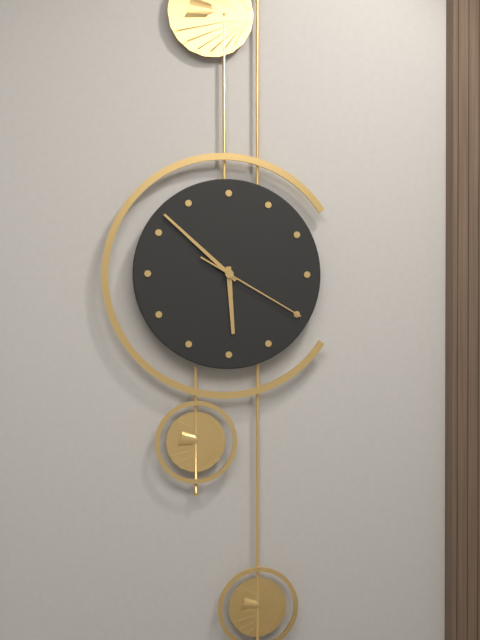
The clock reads 5h52m20s
